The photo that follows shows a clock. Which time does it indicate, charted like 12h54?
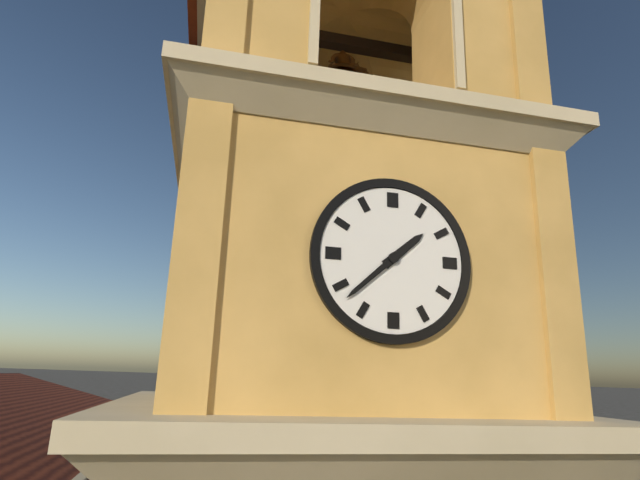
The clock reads 1h38
